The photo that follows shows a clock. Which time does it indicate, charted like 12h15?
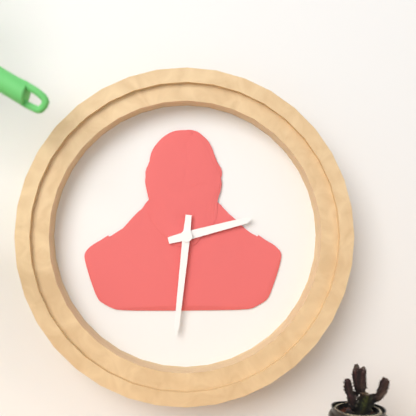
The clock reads 2h31
